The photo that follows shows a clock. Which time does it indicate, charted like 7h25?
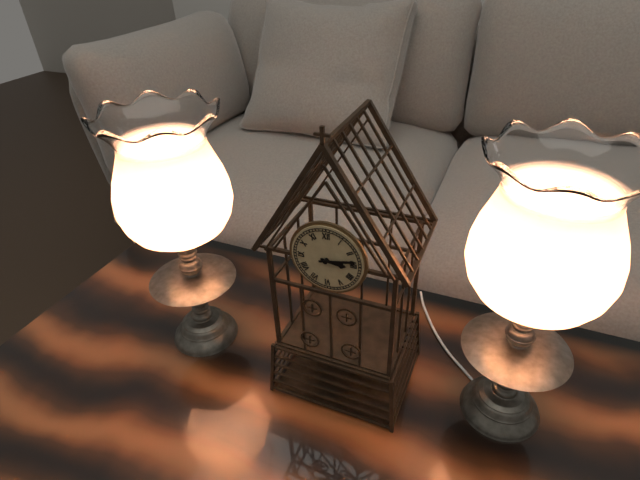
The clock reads 3h13
